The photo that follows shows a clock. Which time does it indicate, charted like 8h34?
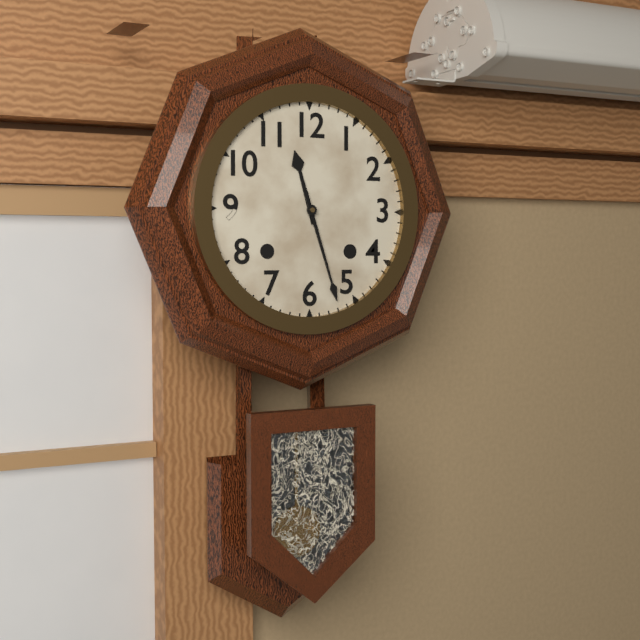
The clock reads 11h27
